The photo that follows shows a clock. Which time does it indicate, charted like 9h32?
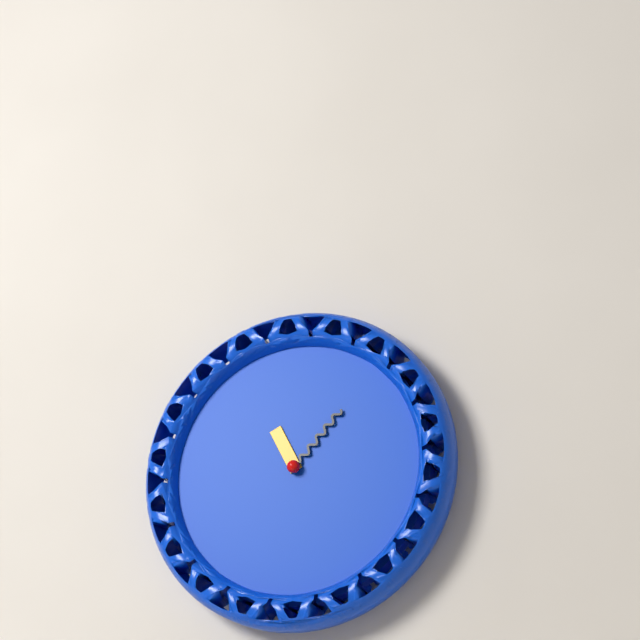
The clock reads 11h07
